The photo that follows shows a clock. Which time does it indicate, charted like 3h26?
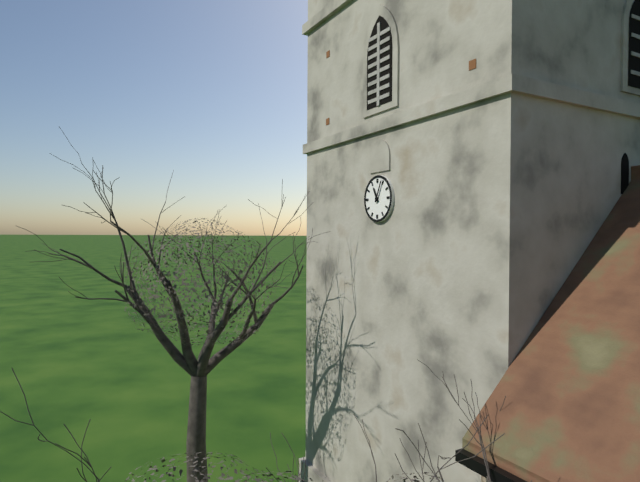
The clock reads 11h04
